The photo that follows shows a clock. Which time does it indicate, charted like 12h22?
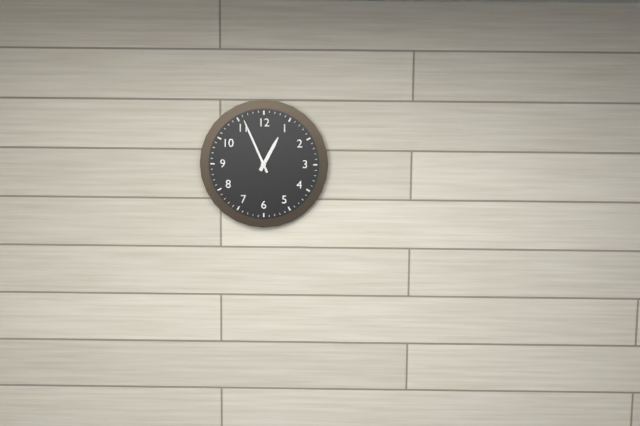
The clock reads 12h56
